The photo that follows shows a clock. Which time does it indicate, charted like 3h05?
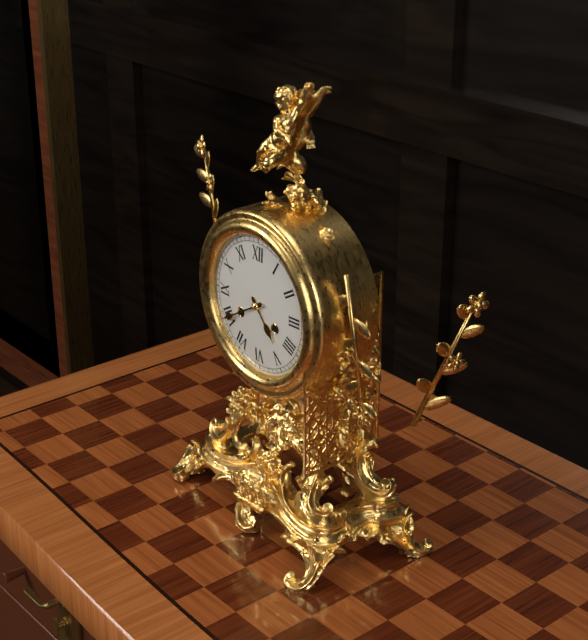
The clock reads 4h40
